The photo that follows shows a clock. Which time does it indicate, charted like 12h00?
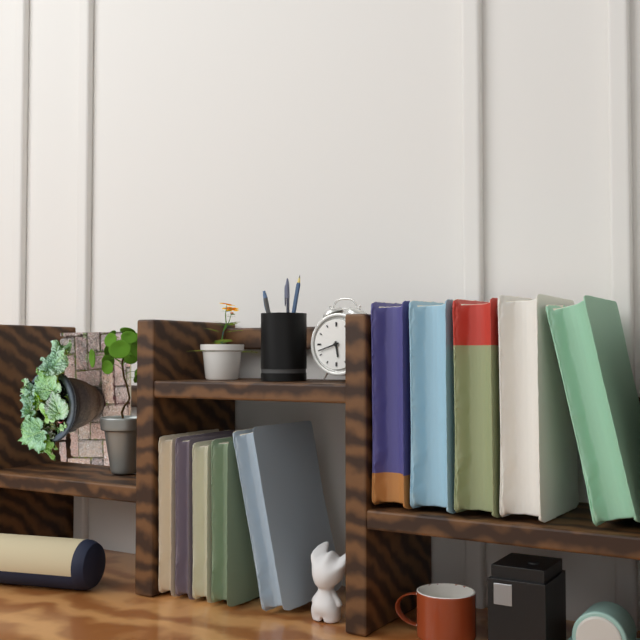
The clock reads 5h42
